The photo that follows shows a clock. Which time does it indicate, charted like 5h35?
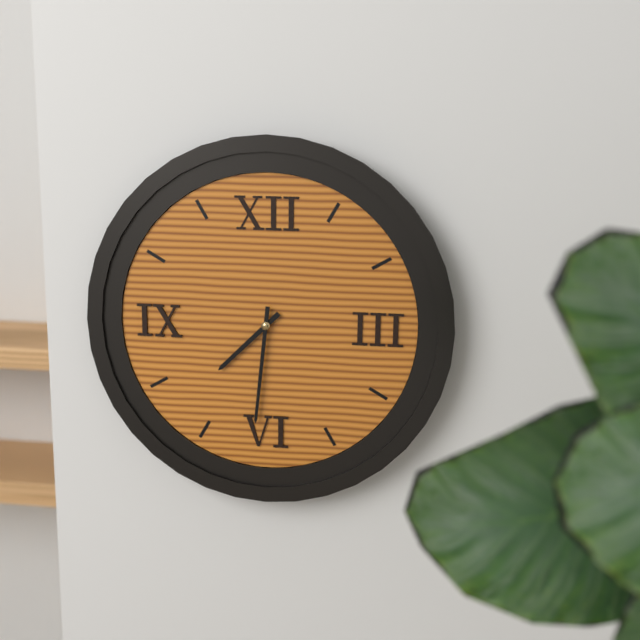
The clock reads 7h31
